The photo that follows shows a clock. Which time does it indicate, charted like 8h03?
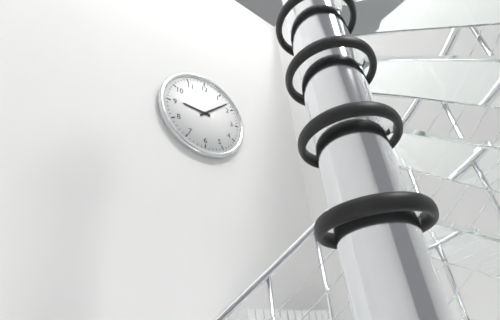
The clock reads 9h08
